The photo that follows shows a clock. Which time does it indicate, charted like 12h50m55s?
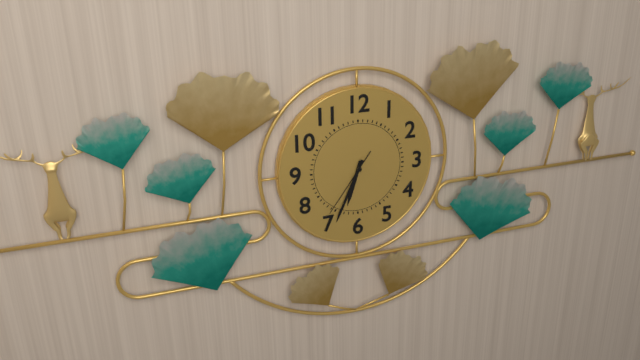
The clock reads 6h34m36s
